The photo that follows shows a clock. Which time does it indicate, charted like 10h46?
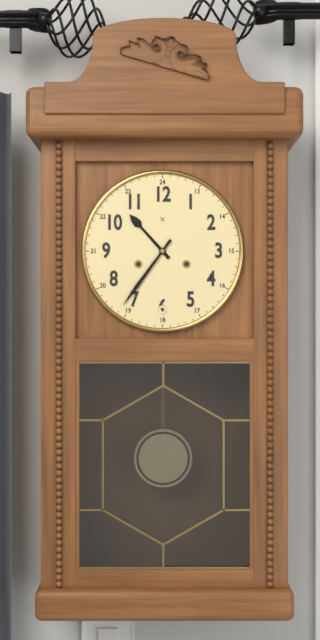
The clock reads 10h36
